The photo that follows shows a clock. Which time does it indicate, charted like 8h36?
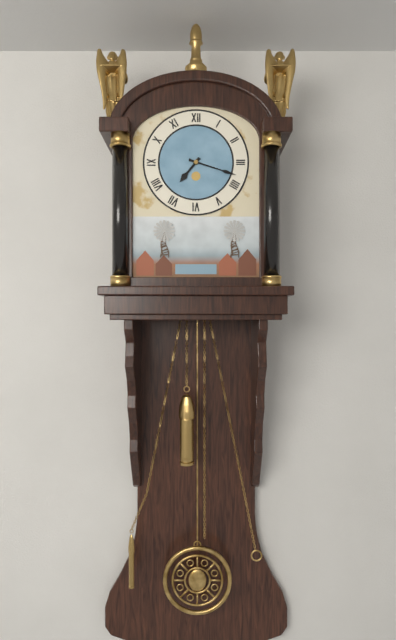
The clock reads 7h18
